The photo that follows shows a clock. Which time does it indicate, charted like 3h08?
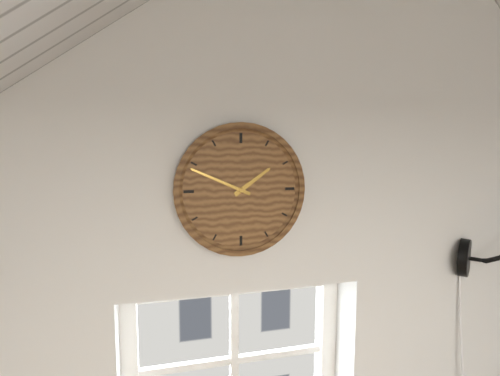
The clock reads 1h49
